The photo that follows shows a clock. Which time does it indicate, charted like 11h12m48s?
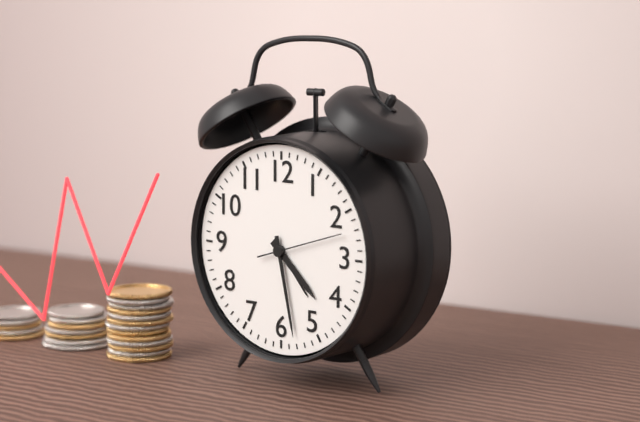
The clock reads 4h28m12s
